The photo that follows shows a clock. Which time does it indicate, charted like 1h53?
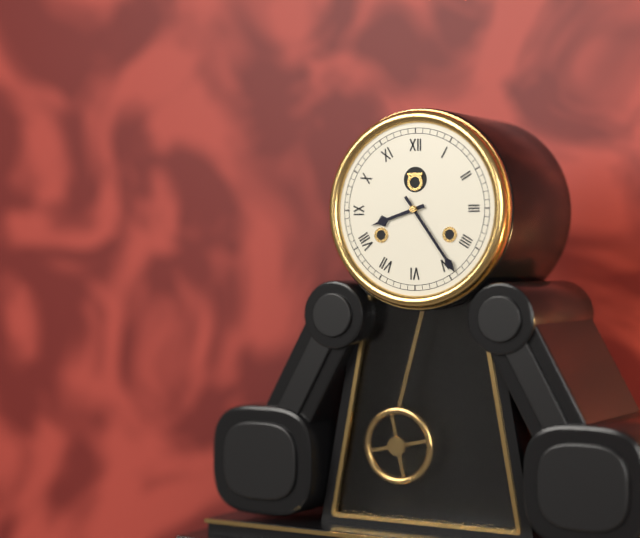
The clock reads 8h24
